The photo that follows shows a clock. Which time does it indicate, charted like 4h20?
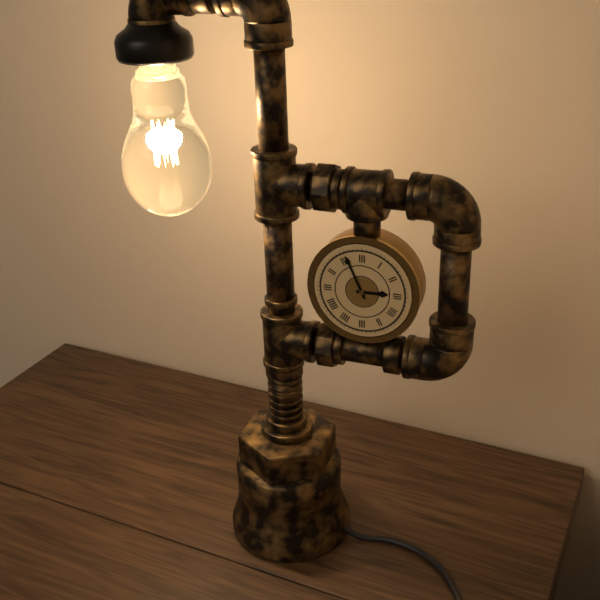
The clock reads 2h56
